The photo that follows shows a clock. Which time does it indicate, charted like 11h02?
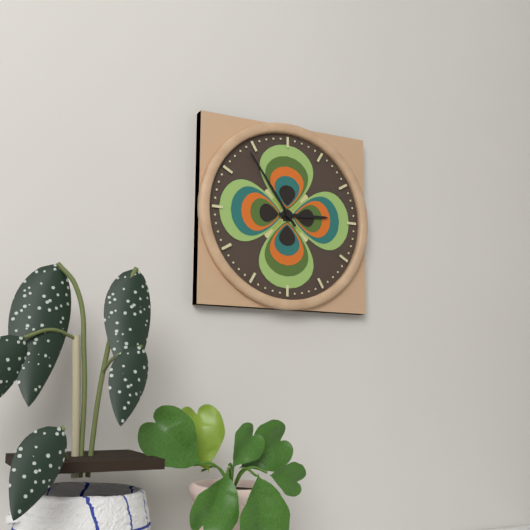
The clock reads 2h54
